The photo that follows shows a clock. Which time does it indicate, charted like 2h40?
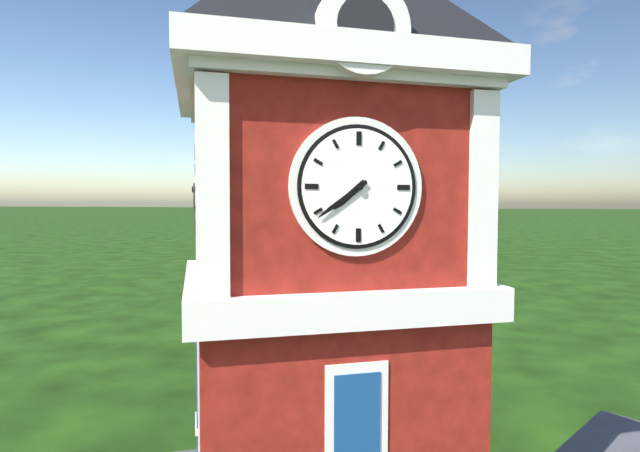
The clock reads 7h39
